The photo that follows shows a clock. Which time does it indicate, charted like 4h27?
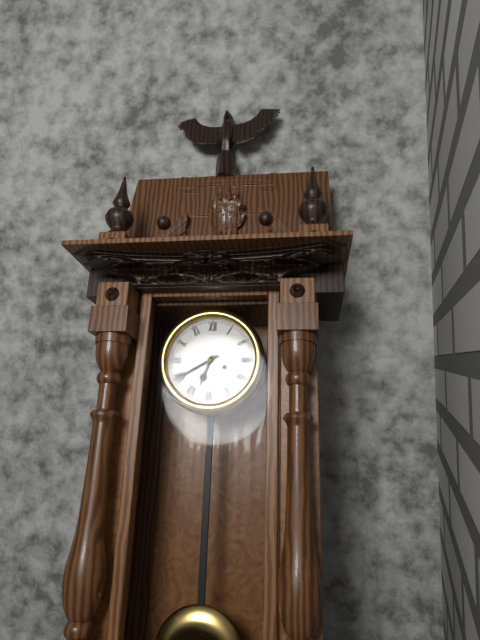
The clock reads 6h40
